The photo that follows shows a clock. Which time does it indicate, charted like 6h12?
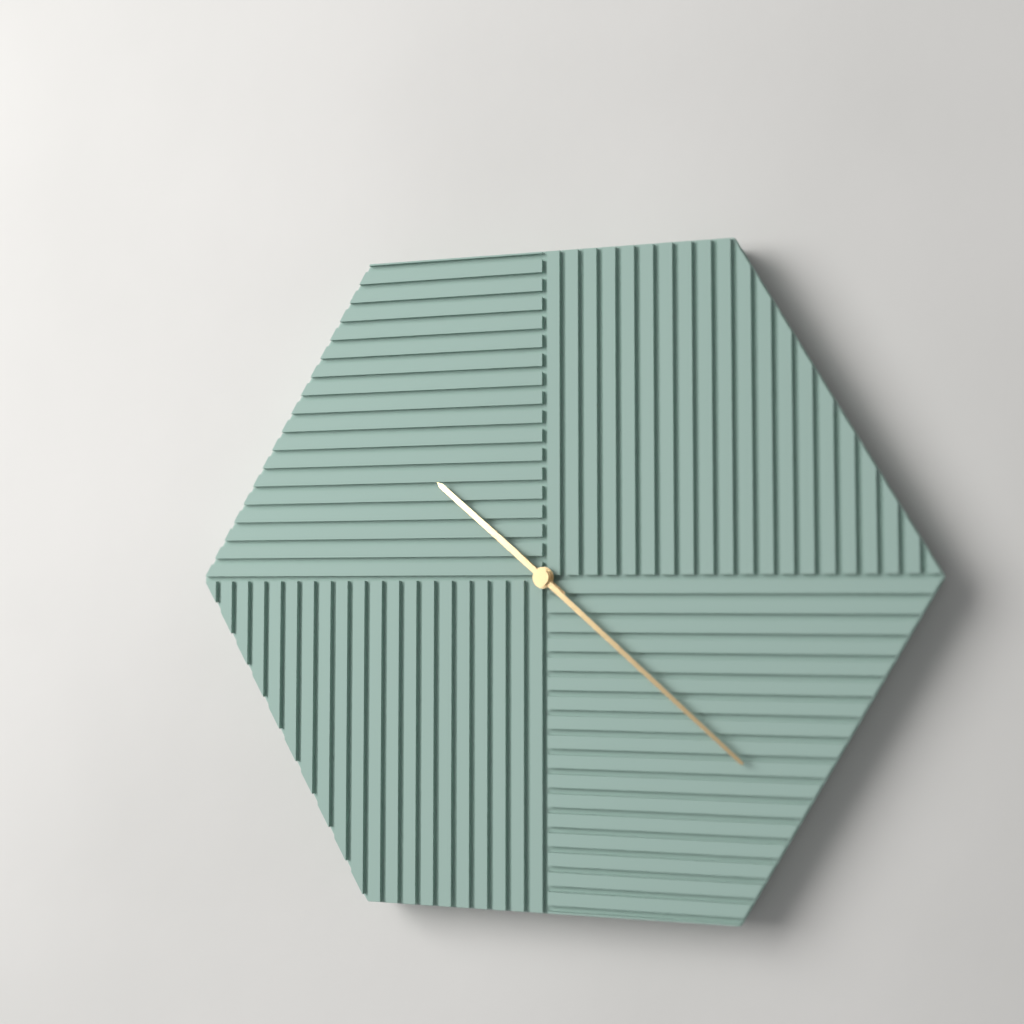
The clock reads 10h22
